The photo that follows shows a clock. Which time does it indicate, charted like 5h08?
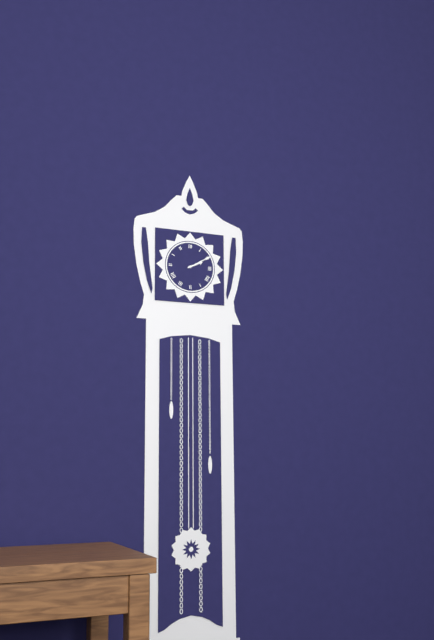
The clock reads 2h10
